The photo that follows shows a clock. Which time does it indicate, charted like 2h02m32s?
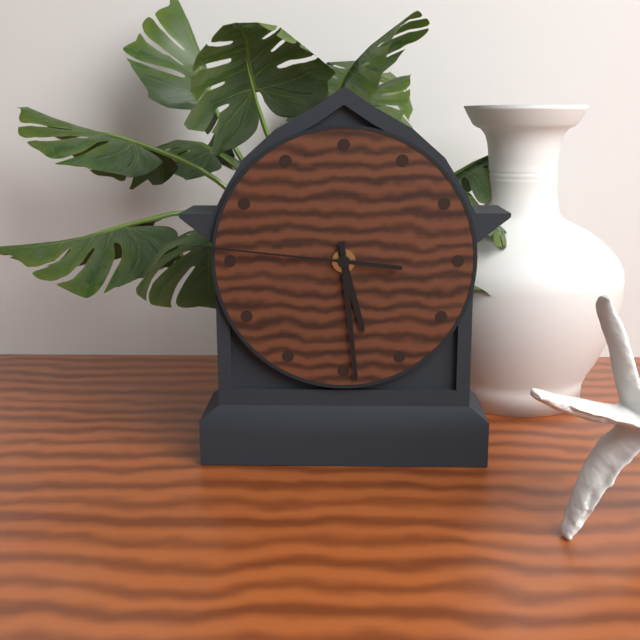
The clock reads 5h29m46s
